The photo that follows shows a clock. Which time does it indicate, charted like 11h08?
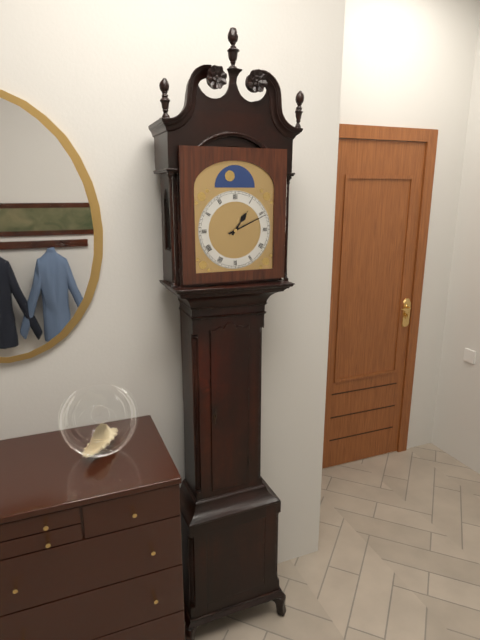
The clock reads 1h11
